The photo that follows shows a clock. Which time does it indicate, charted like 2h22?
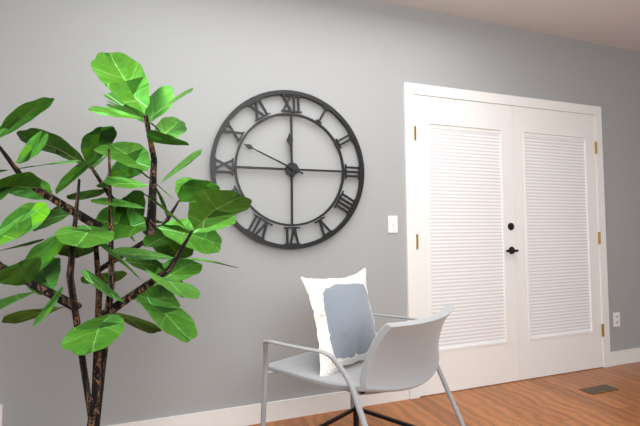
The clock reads 11h49
